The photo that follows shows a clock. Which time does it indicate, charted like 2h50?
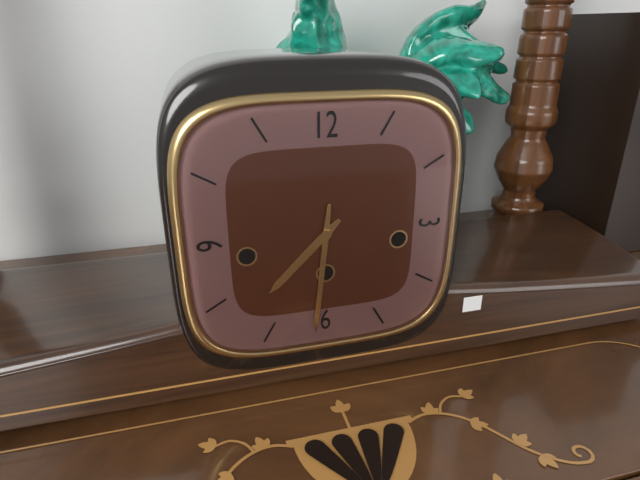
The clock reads 7h31
